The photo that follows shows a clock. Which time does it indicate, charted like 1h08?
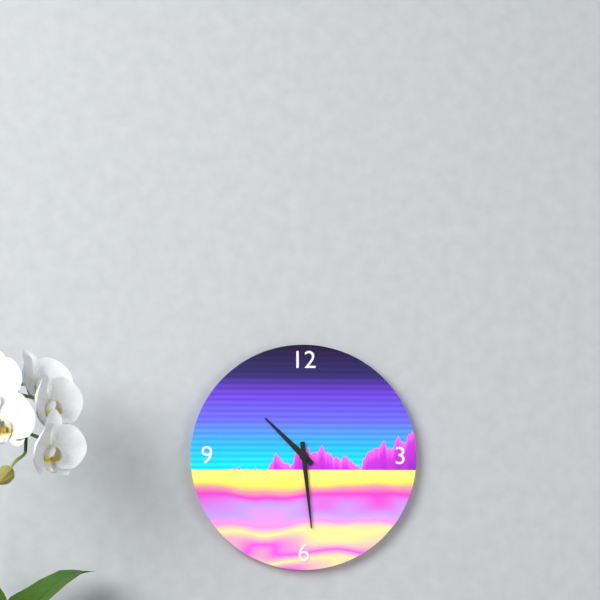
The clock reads 10h29
